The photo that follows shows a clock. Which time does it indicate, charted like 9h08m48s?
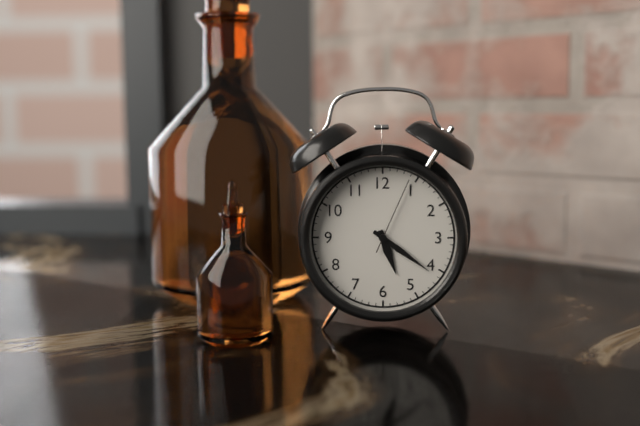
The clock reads 5h21m04s
